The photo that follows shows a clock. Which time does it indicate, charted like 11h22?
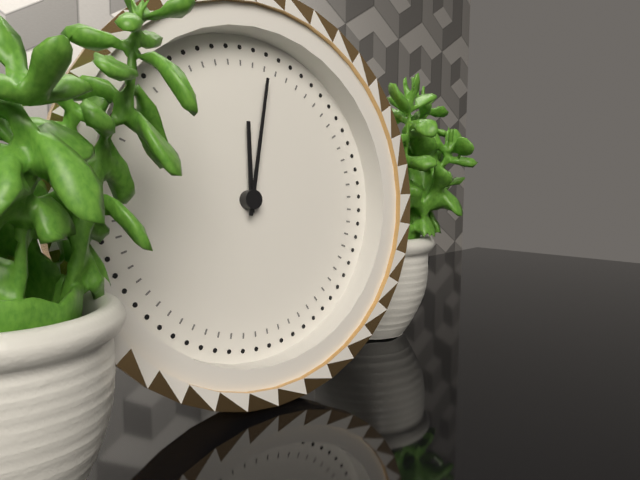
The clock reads 12h02
